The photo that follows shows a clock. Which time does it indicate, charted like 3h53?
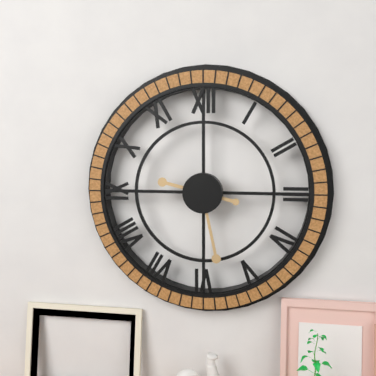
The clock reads 9h28
